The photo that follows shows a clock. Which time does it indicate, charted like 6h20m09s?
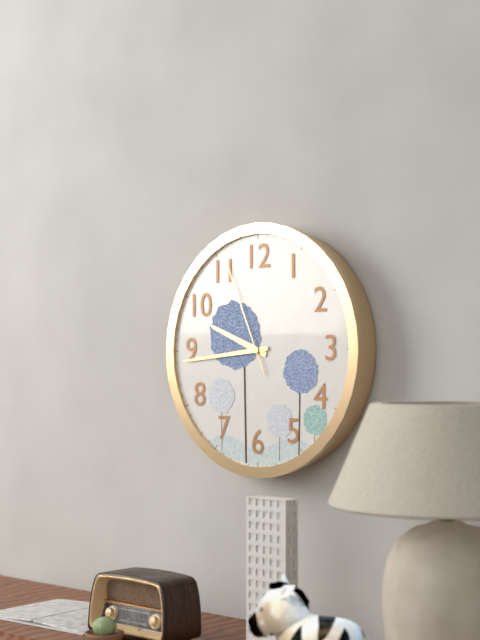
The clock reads 9h44m56s
